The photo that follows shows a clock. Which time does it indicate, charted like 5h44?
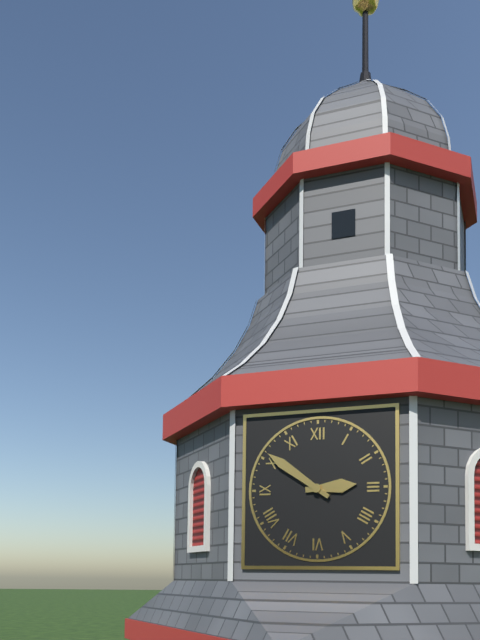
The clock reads 2h51
